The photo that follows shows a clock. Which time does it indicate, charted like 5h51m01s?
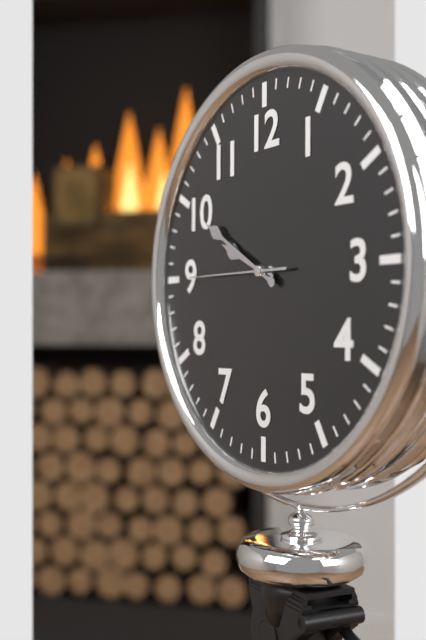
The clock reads 9h50m45s
